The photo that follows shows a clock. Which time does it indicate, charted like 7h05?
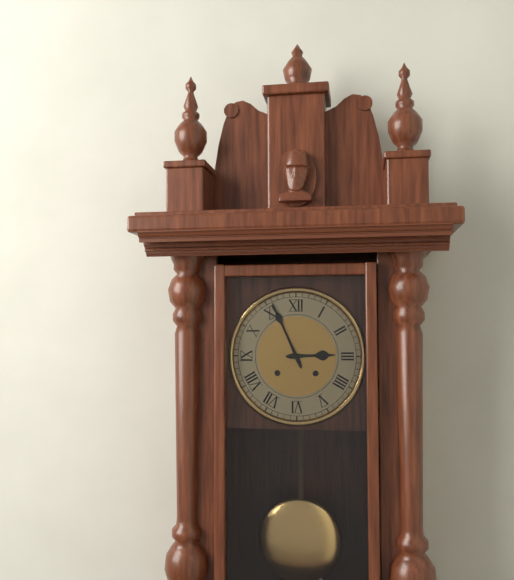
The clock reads 2h56
